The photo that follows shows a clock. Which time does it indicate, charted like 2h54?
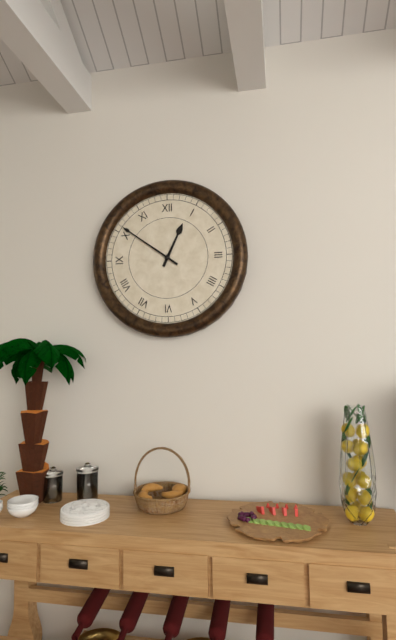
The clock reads 12h51
